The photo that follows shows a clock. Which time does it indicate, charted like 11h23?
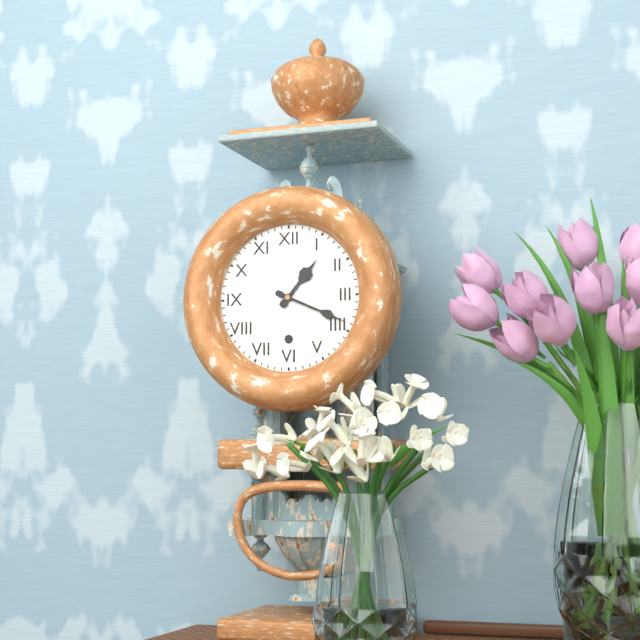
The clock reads 1h19
